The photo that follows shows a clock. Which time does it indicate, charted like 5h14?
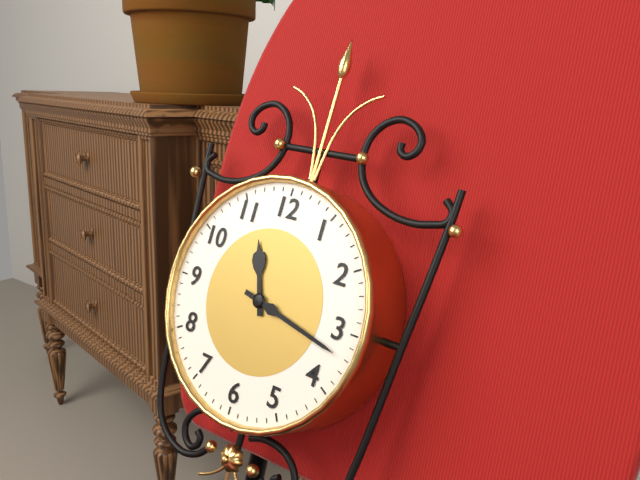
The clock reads 11h17
